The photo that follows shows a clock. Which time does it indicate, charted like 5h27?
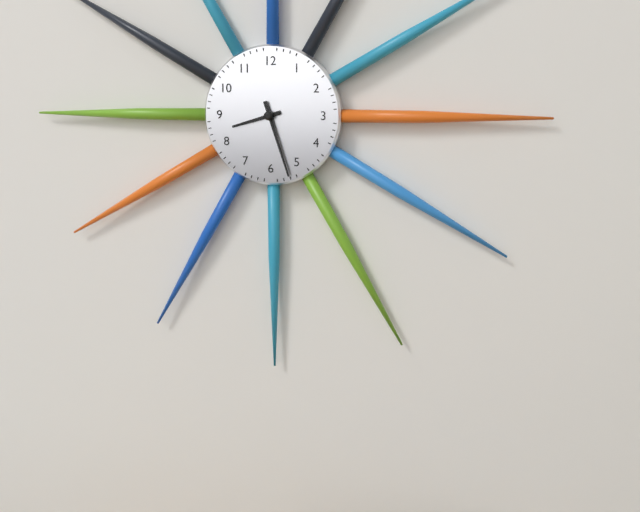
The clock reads 8h27
